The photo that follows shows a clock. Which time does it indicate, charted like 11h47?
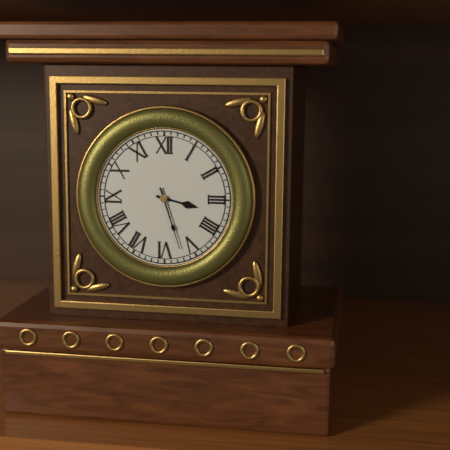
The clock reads 3h27
